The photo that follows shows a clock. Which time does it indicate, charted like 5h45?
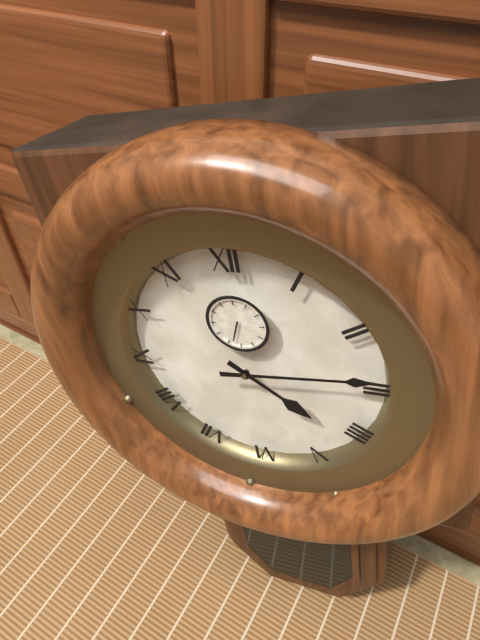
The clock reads 4h14
